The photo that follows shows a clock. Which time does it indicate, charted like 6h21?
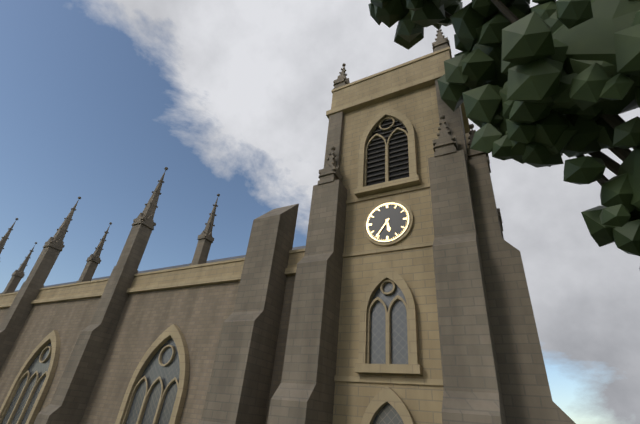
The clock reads 5h36
